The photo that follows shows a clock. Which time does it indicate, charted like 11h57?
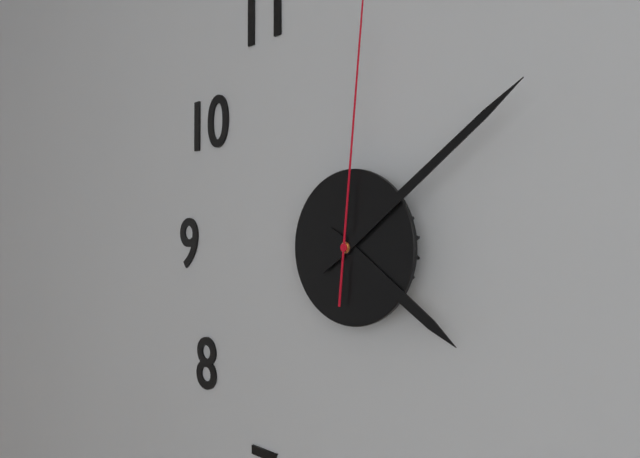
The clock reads 4h09
